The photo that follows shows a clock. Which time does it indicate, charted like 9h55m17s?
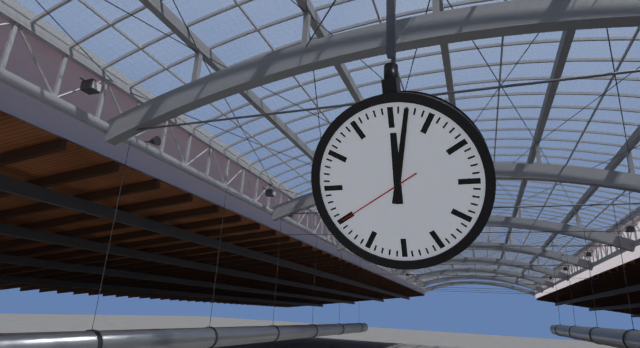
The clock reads 12h02m40s
